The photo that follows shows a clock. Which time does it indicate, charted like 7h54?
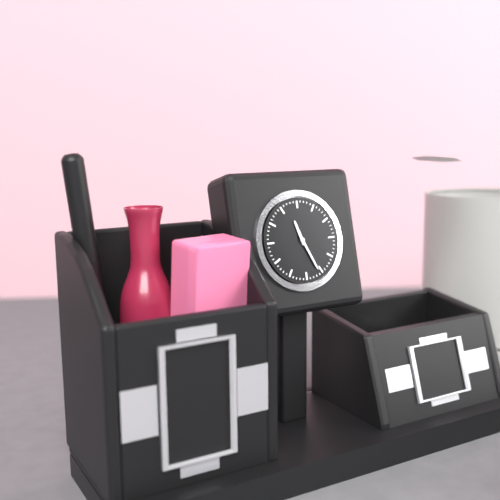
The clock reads 11h26
